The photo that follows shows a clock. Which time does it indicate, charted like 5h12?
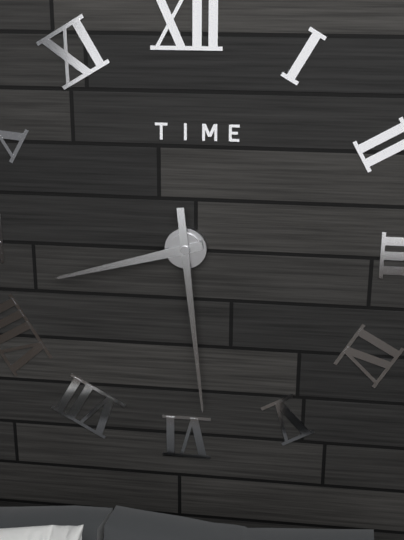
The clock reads 8h29
